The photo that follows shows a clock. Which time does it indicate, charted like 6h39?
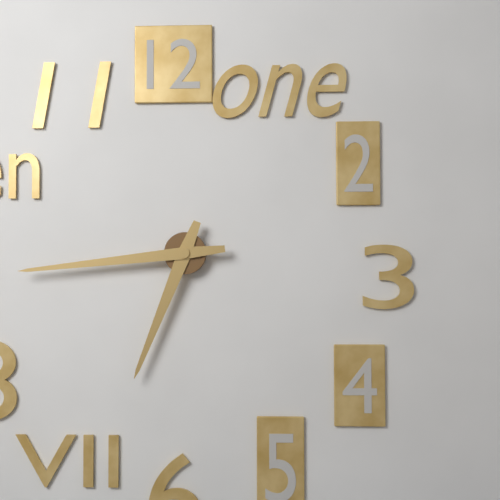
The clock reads 6h44
